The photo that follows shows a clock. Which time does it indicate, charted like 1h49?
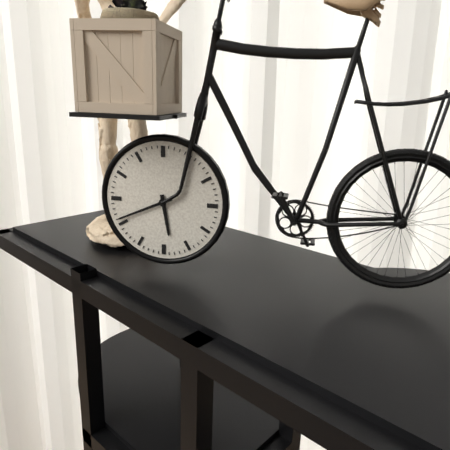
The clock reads 5h41
